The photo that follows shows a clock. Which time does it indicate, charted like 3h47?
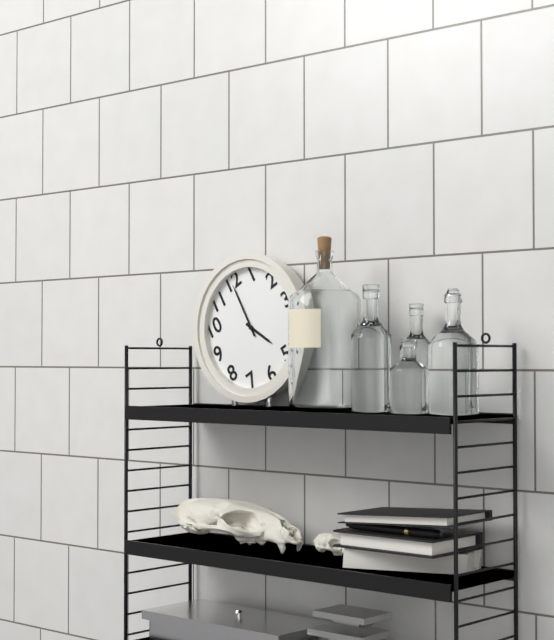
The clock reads 5h00
